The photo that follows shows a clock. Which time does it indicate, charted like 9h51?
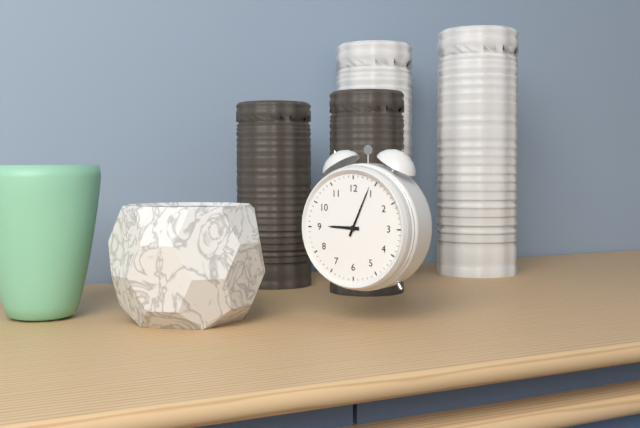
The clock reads 9h04
